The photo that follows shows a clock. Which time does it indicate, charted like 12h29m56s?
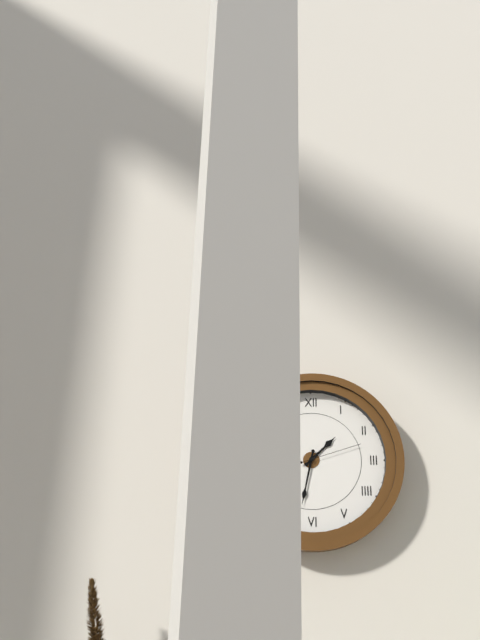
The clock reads 1h32m12s
